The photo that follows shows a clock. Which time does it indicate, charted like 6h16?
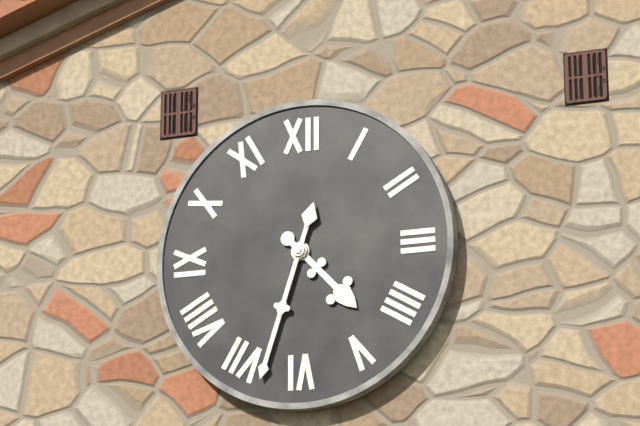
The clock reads 4h33
